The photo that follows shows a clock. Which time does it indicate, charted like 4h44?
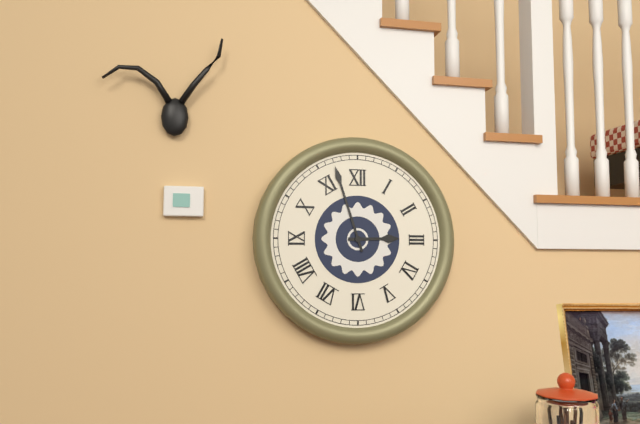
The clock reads 2h57
